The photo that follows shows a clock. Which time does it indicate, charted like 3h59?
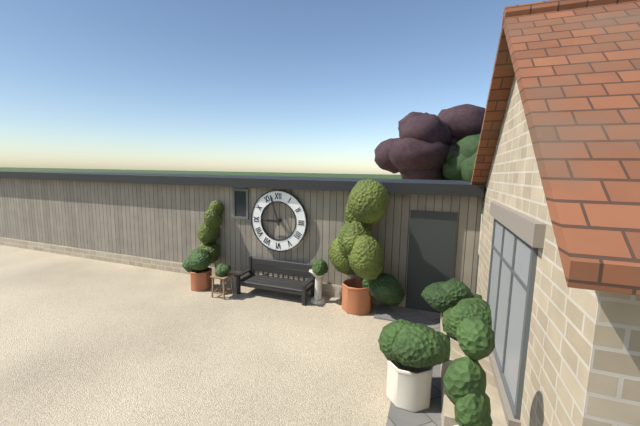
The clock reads 8h57
